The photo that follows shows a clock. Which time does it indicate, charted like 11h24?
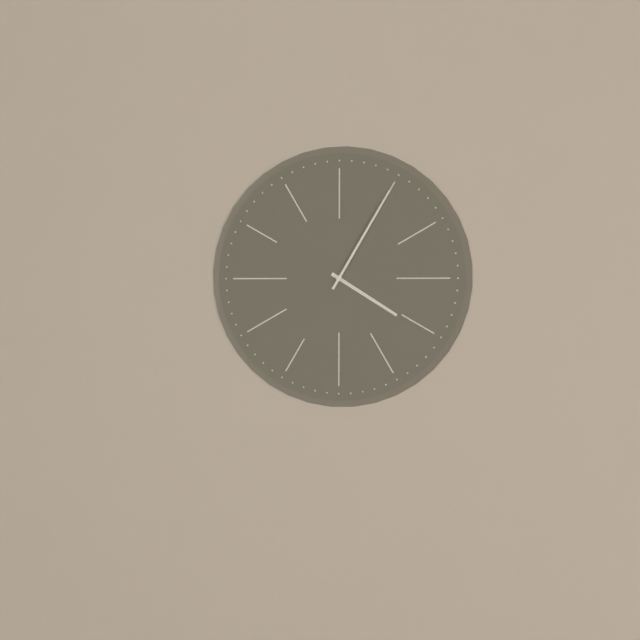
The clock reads 4h05
